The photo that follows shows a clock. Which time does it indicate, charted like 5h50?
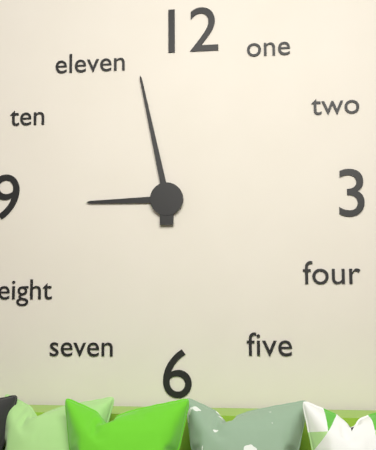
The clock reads 8h58
